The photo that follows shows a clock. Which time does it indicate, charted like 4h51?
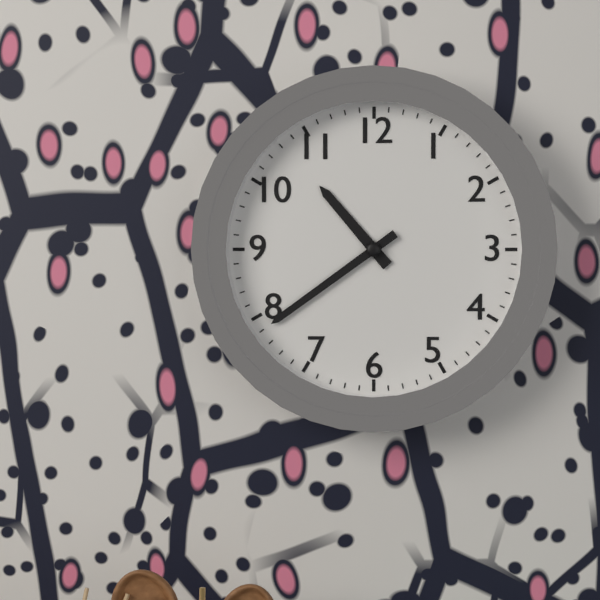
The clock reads 10h39
